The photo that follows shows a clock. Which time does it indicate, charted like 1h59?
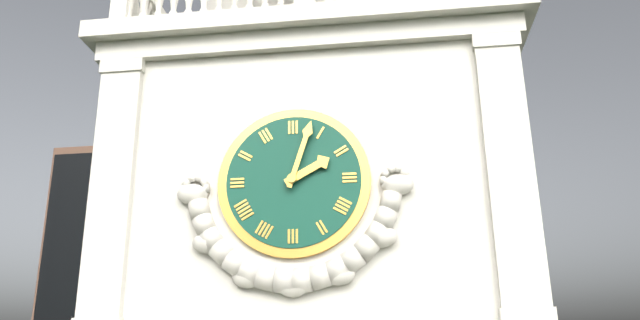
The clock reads 2h03
